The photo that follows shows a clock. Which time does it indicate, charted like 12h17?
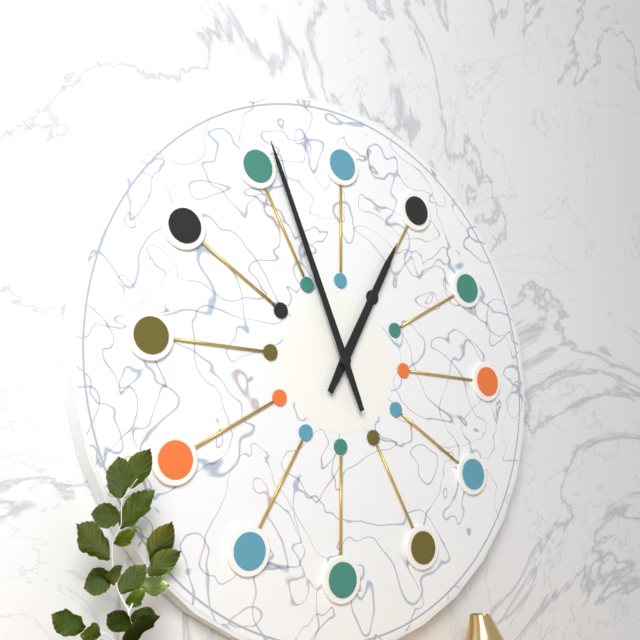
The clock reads 12h56
